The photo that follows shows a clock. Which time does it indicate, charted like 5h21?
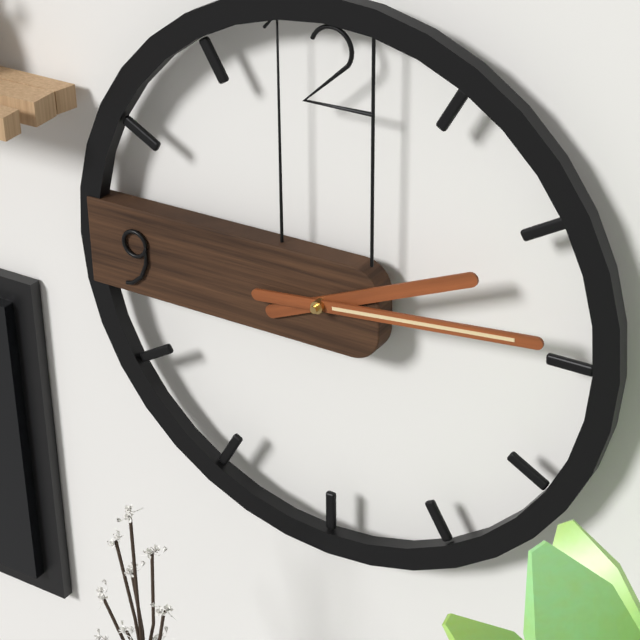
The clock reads 2h14
